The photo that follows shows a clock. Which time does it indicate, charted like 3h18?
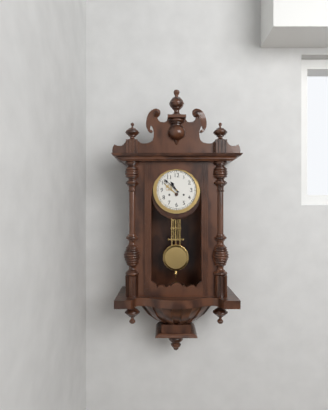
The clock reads 10h52
